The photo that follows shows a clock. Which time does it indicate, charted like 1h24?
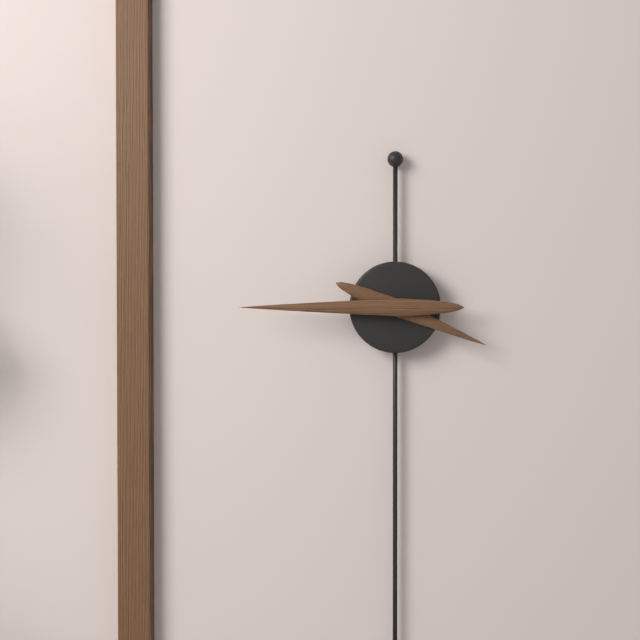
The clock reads 3h45
